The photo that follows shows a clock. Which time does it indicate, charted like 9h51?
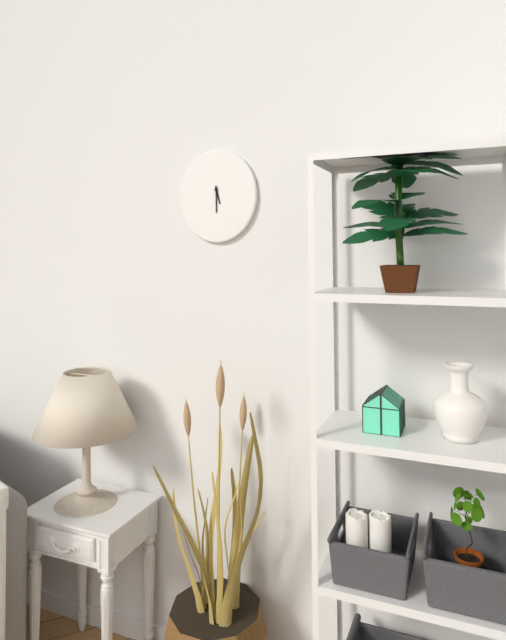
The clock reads 5h30
